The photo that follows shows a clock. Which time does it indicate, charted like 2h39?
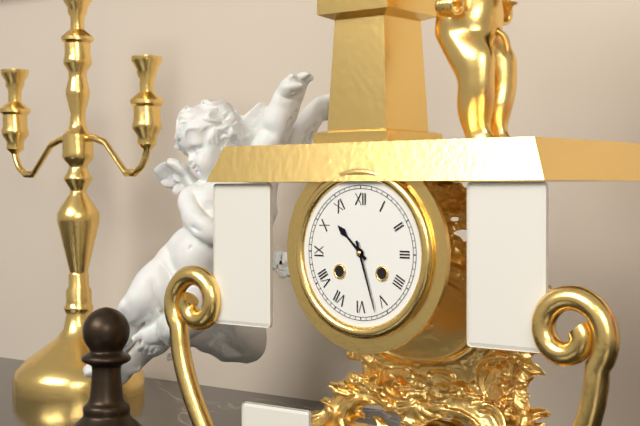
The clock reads 10h27
